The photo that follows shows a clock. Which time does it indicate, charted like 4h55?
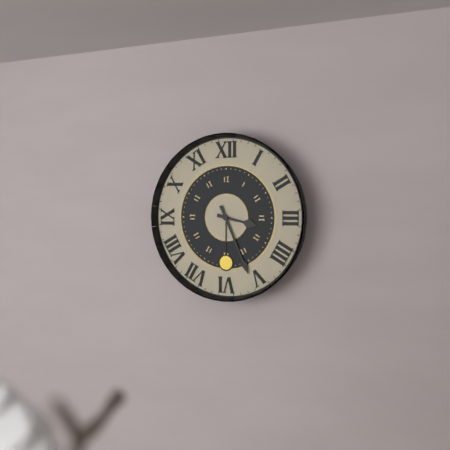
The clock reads 3h26
